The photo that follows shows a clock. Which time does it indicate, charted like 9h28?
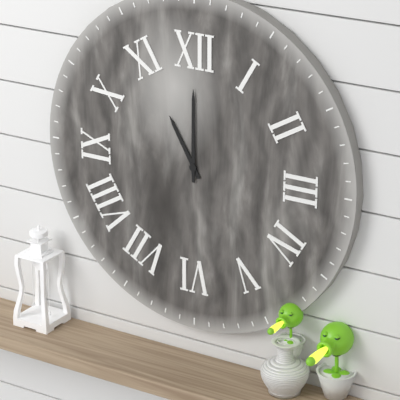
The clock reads 11h00
